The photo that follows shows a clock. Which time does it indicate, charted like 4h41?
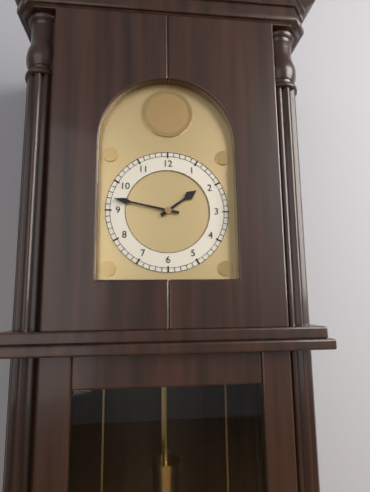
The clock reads 1h47
